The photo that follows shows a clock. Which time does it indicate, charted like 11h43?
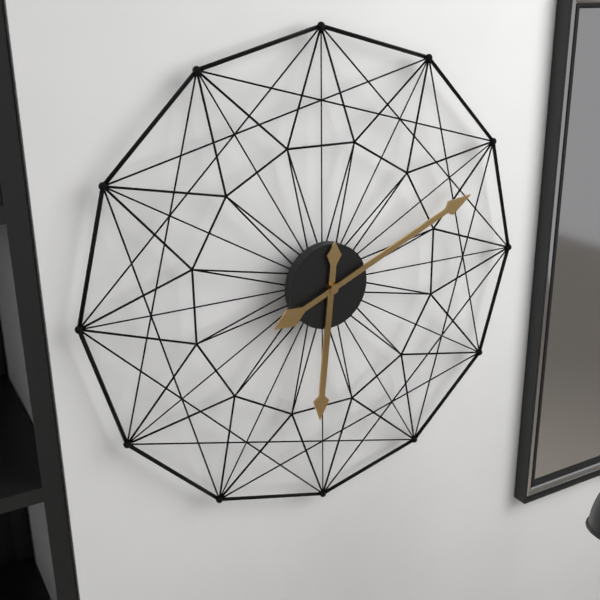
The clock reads 6h11
